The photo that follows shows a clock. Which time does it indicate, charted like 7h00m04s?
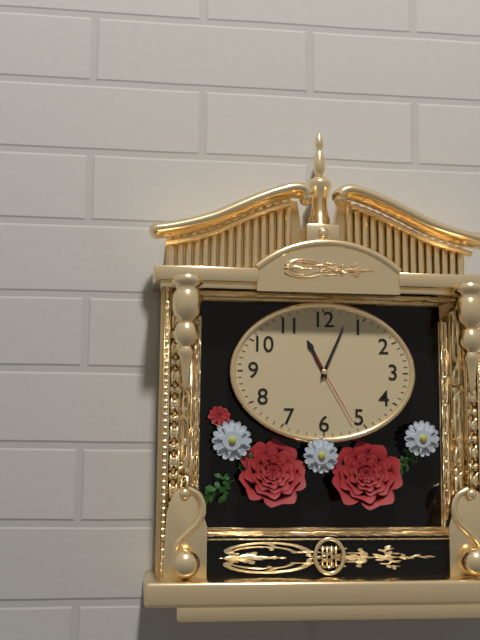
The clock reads 11h04m25s
